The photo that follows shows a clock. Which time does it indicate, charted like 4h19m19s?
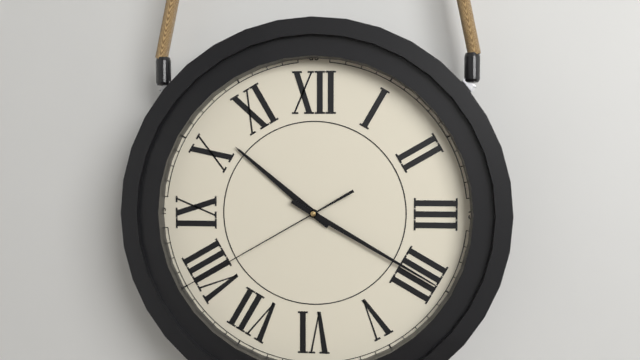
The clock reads 10h20m40s
